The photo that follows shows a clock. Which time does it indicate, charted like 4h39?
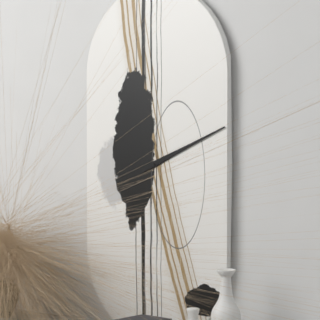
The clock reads 2h11
